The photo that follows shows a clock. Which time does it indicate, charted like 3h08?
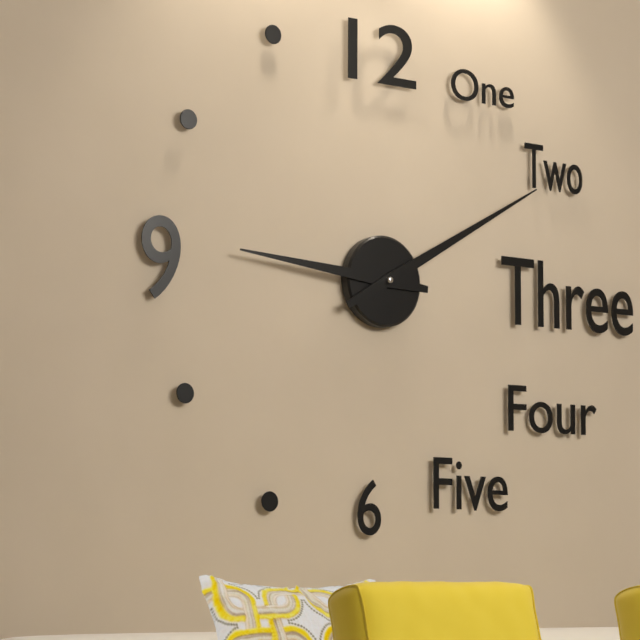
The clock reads 9h10
